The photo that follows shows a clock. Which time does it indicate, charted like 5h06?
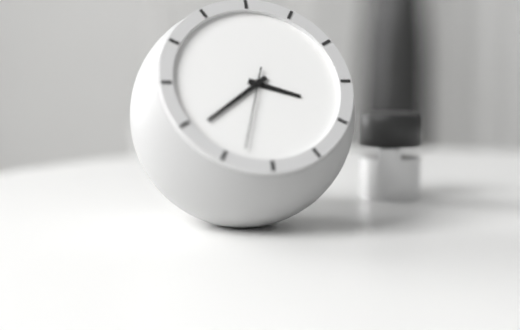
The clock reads 3h39
